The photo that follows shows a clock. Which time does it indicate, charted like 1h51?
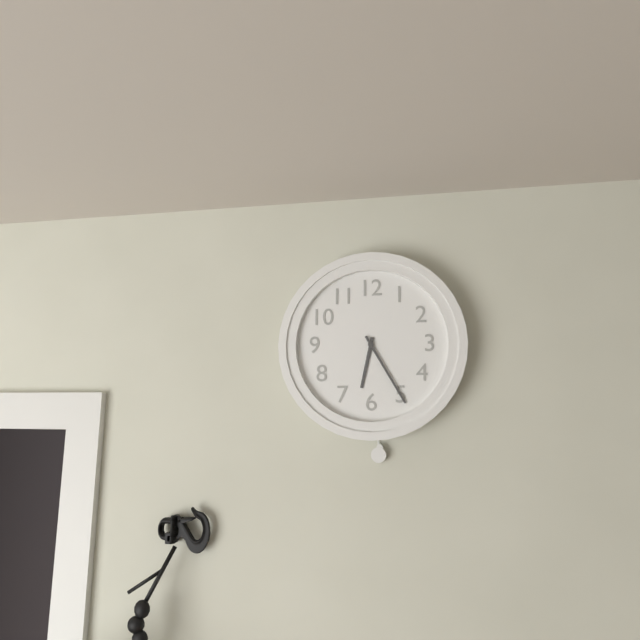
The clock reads 6h25
